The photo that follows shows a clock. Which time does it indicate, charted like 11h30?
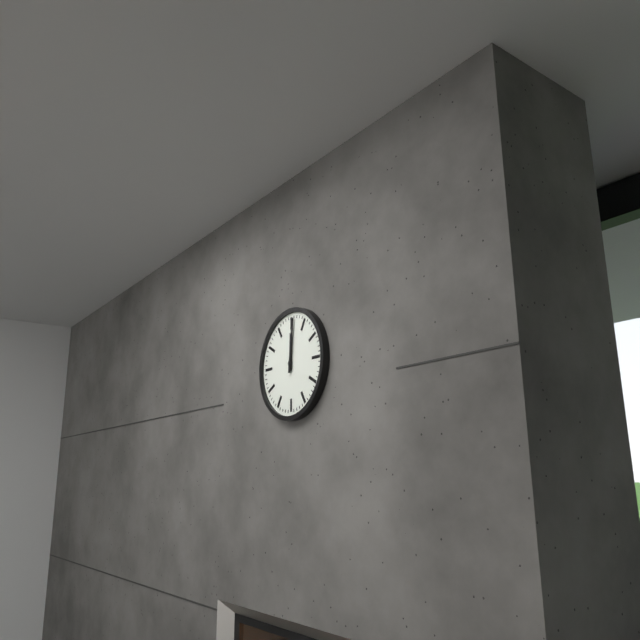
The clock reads 12h01
